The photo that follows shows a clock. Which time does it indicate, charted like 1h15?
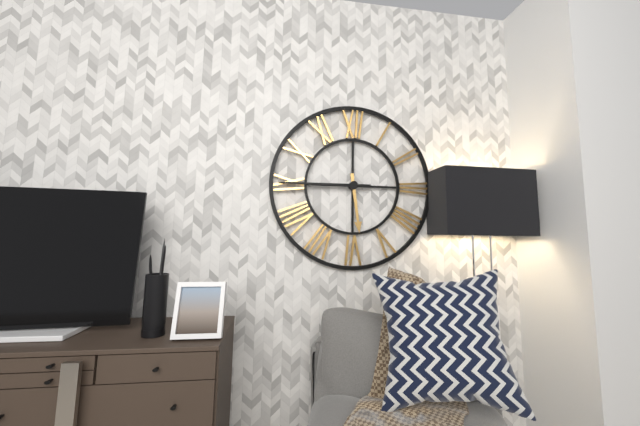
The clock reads 5h45
